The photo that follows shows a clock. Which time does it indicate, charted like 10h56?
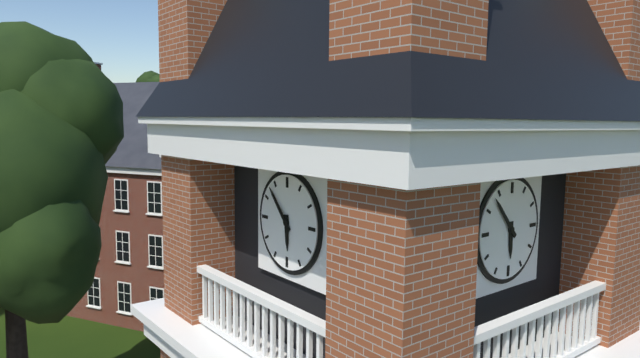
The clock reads 5h53
